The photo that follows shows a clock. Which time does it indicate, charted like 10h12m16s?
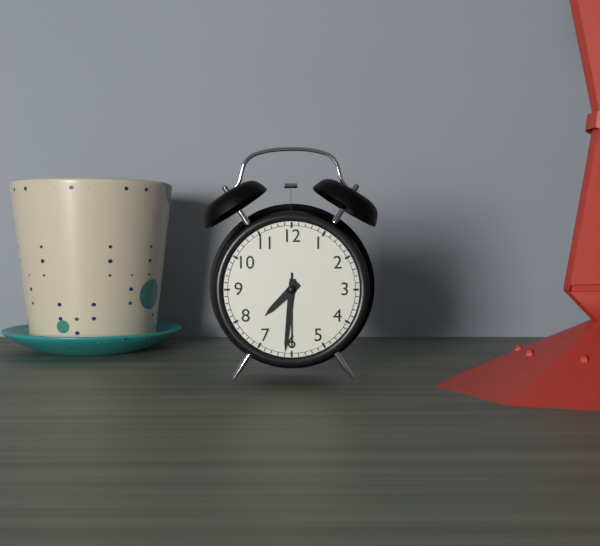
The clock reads 7h31m30s
